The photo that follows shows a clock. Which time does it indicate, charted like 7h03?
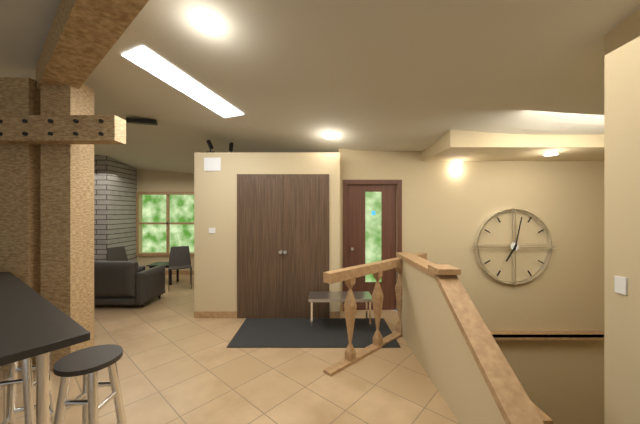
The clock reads 7h02
